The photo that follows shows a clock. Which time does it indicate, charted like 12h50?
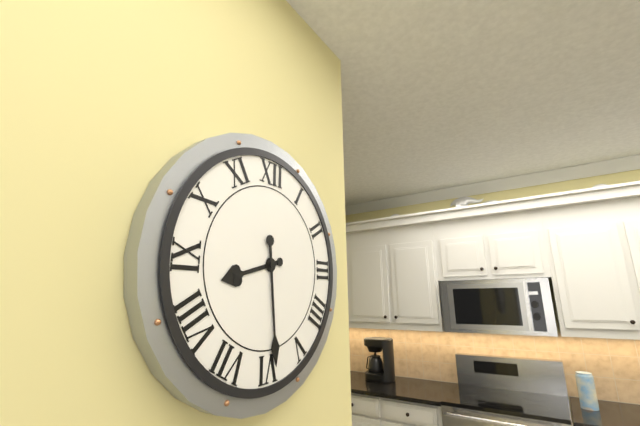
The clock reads 8h29
